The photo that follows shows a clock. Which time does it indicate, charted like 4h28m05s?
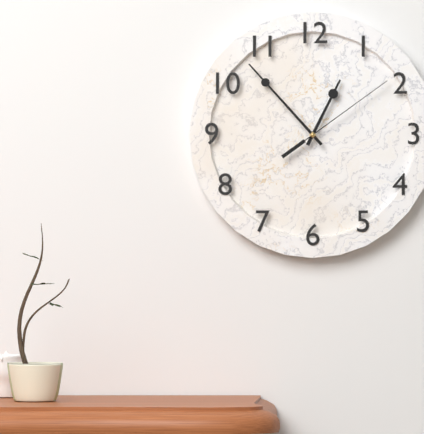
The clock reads 12h53m09s
